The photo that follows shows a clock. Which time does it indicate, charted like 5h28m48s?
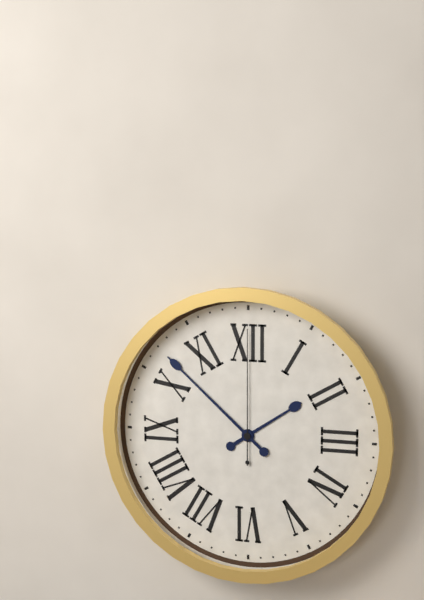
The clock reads 1h52m00s
